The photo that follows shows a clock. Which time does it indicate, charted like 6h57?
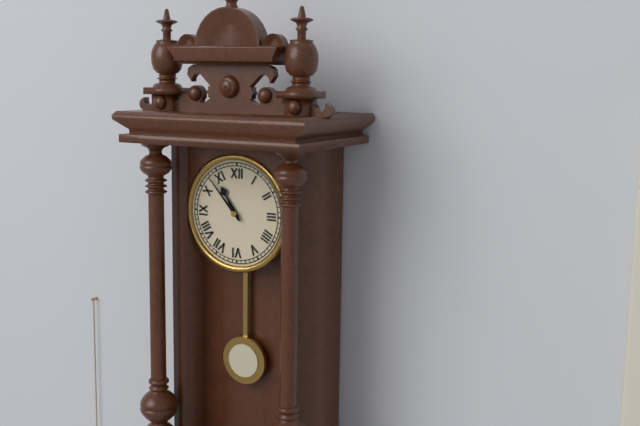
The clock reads 10h53
